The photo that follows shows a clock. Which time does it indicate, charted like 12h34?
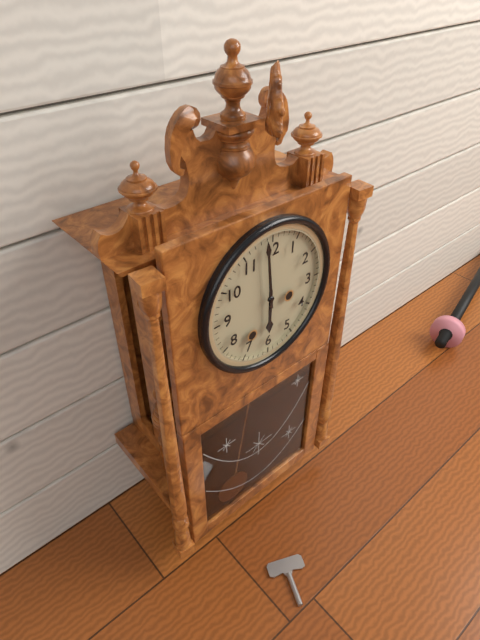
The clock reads 5h59
